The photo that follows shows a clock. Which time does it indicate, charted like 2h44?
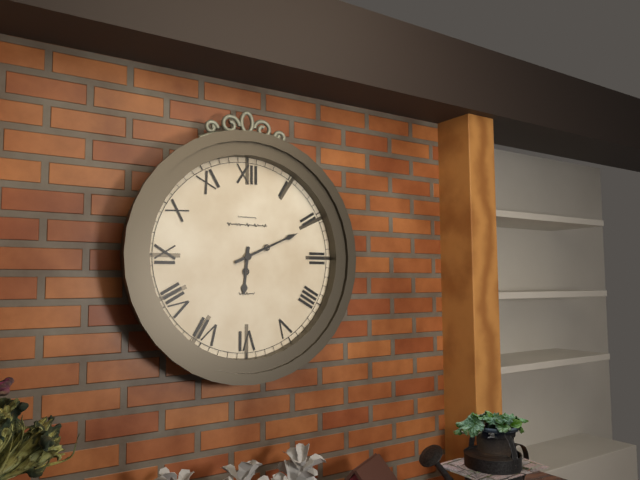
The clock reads 6h11
